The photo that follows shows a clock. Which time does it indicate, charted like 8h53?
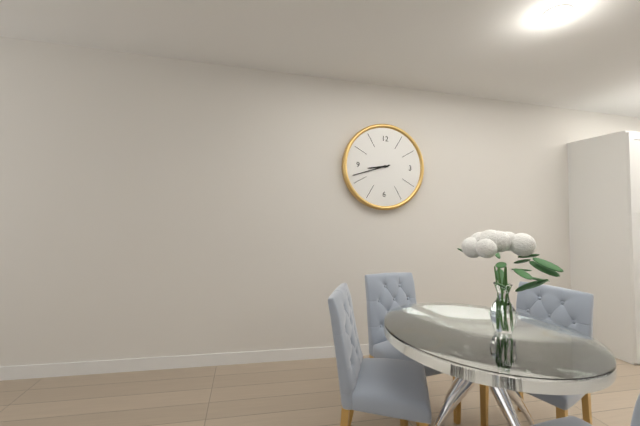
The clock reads 8h42
